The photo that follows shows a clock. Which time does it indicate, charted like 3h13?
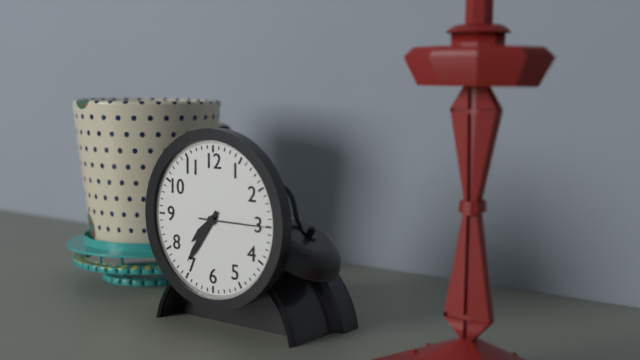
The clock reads 7h36
